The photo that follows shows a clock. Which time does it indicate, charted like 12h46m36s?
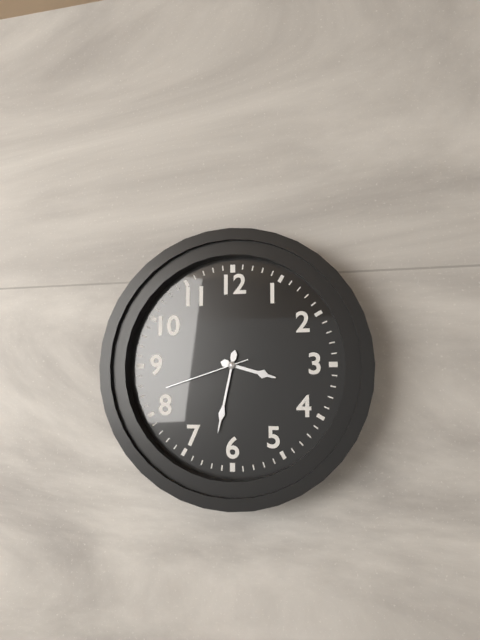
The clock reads 3h32m42s
